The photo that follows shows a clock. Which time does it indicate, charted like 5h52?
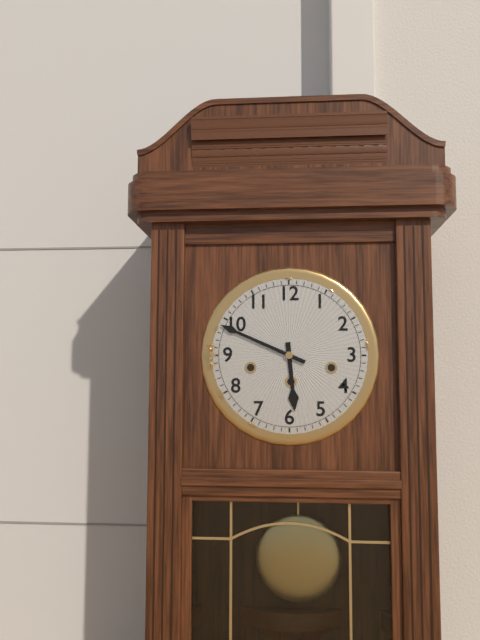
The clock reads 5h49
